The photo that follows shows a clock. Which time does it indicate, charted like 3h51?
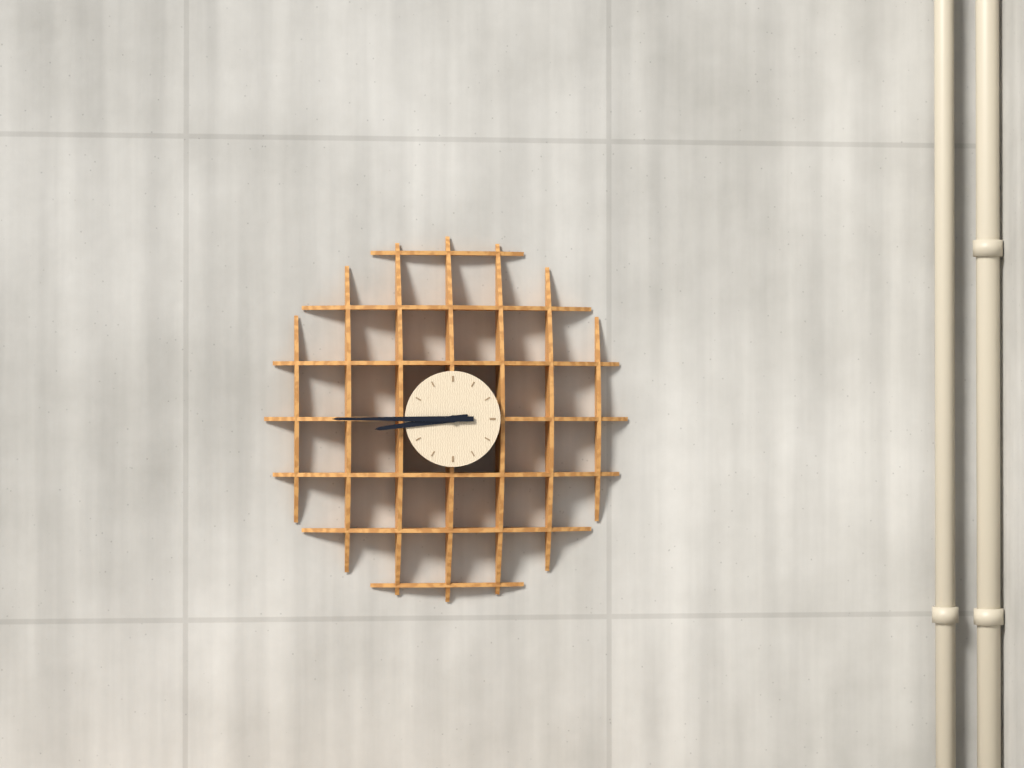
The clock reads 8h45
